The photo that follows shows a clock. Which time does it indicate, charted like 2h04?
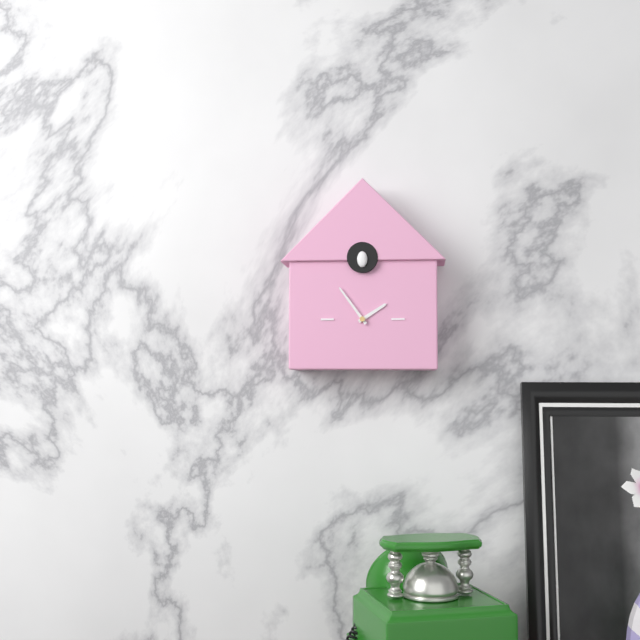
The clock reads 1h54
